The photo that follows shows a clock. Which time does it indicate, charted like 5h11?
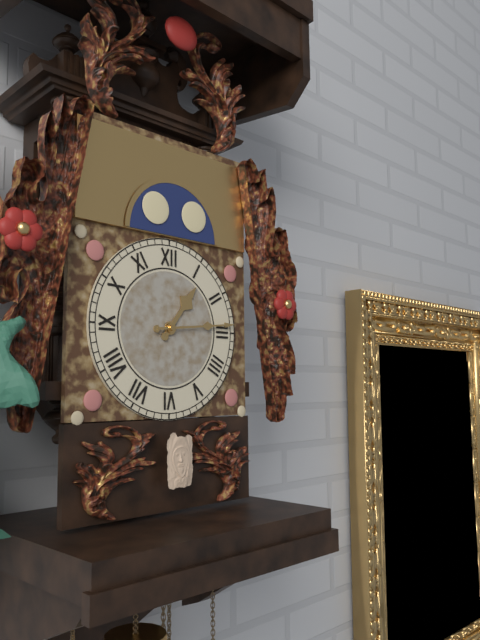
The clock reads 1h14
